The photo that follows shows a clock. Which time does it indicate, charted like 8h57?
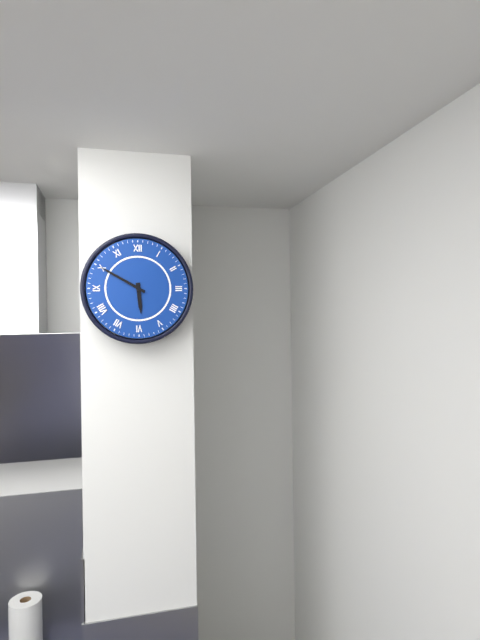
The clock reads 5h50
